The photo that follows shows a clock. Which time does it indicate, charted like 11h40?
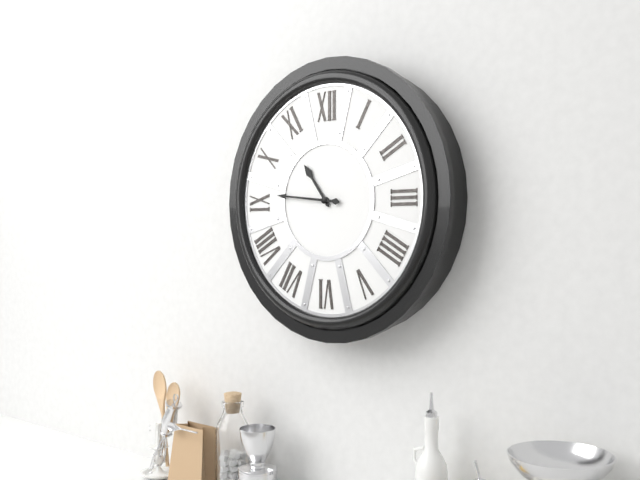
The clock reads 10h46
